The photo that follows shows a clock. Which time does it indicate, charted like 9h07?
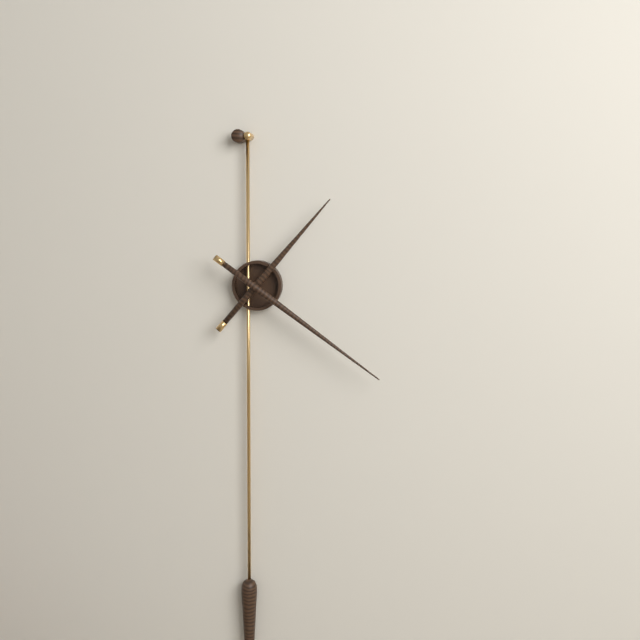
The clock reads 1h21
